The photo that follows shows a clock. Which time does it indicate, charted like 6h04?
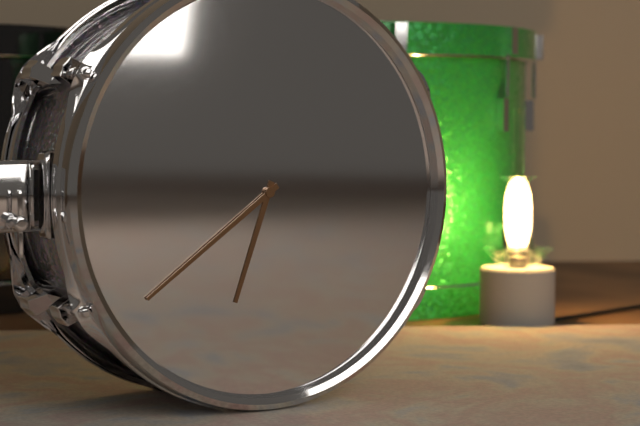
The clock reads 6h39
